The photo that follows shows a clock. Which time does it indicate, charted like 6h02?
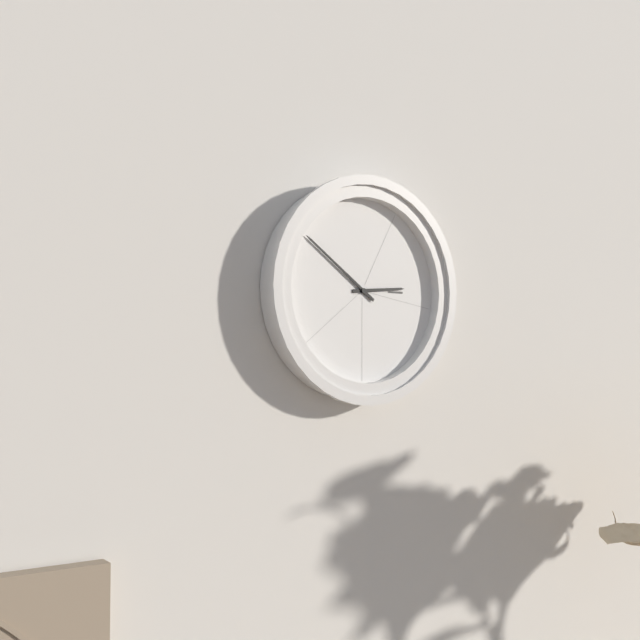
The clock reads 2h51
